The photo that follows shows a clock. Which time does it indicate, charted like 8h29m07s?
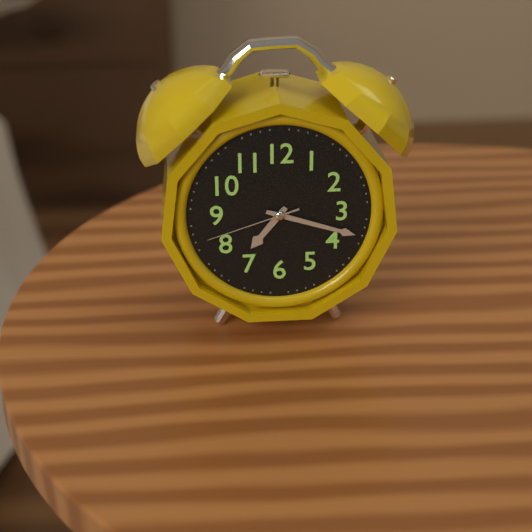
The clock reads 7h18m42s
